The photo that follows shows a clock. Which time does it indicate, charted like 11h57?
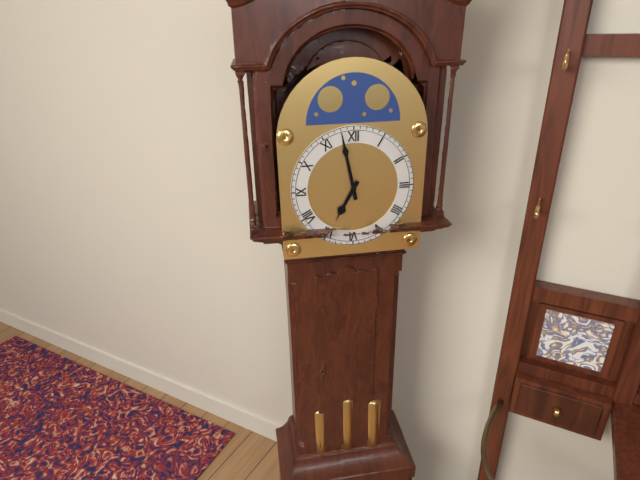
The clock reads 6h58
